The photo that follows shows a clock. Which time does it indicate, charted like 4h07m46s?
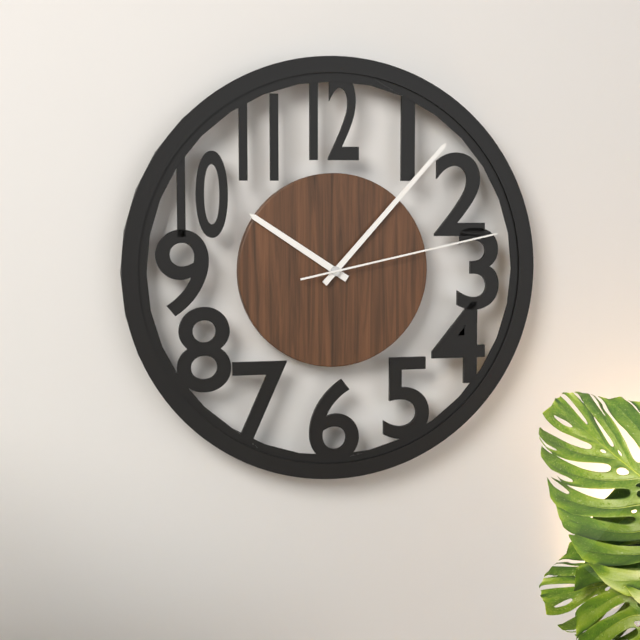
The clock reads 10h07m13s
